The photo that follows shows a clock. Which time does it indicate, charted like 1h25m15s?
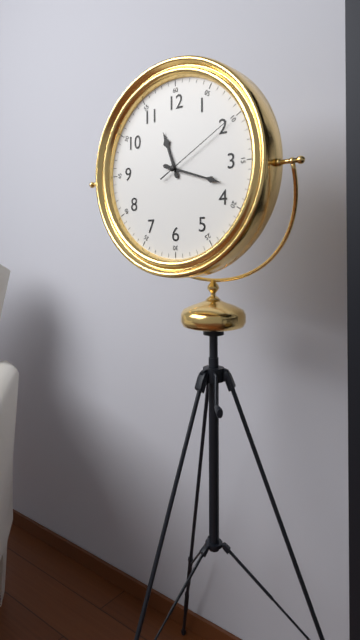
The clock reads 11h18m10s
